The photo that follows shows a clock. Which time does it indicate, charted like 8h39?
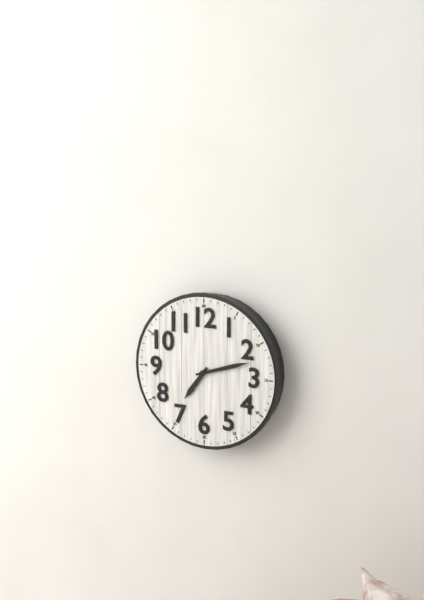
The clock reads 7h12
